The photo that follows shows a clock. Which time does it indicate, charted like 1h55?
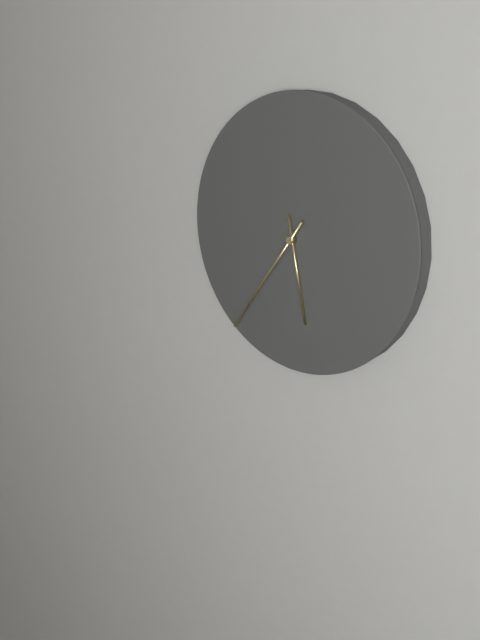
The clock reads 5h36
